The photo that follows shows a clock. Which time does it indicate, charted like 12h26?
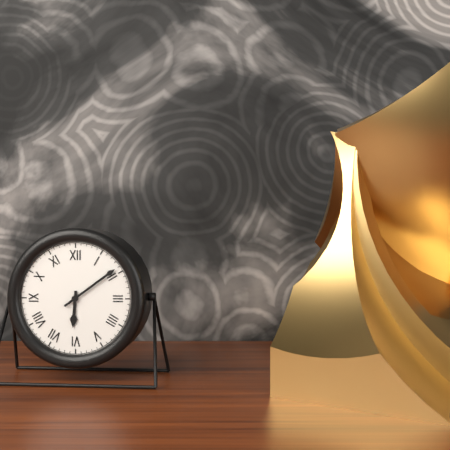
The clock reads 6h09
